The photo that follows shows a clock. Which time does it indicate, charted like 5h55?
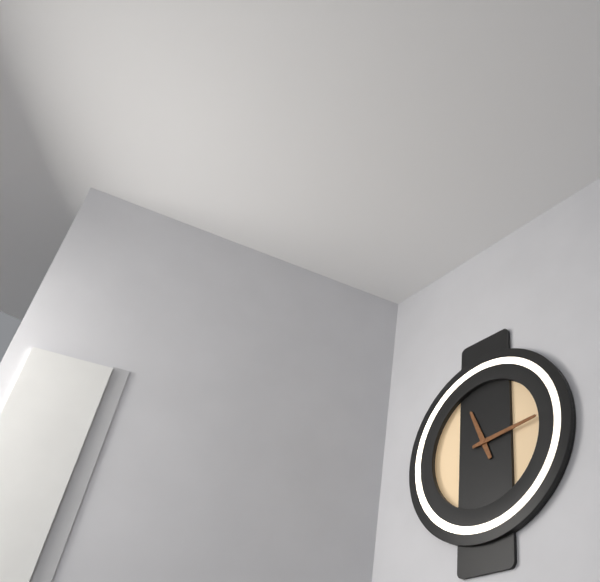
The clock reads 11h14
